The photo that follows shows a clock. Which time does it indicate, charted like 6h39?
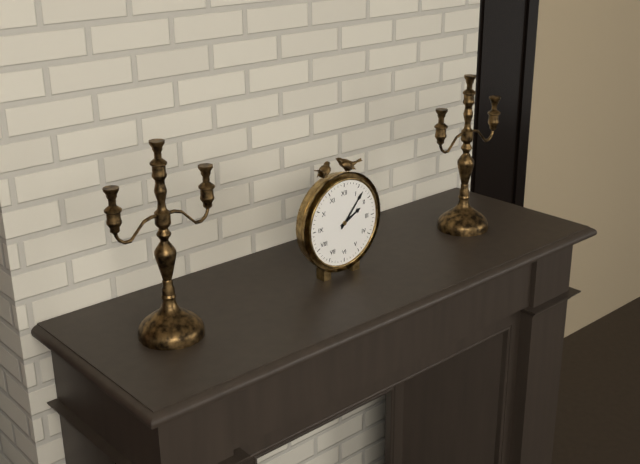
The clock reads 2h07
